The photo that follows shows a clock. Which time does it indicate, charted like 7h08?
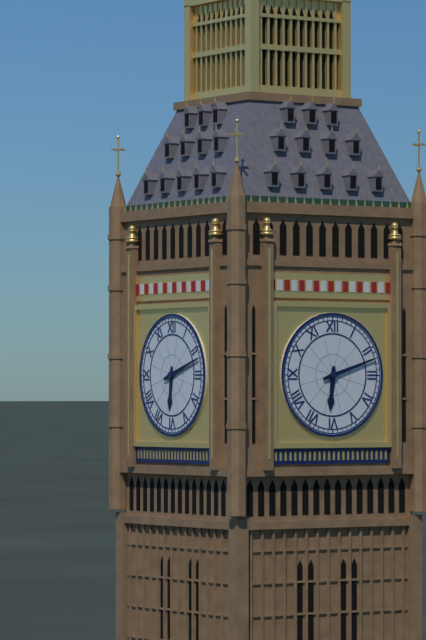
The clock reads 6h12
